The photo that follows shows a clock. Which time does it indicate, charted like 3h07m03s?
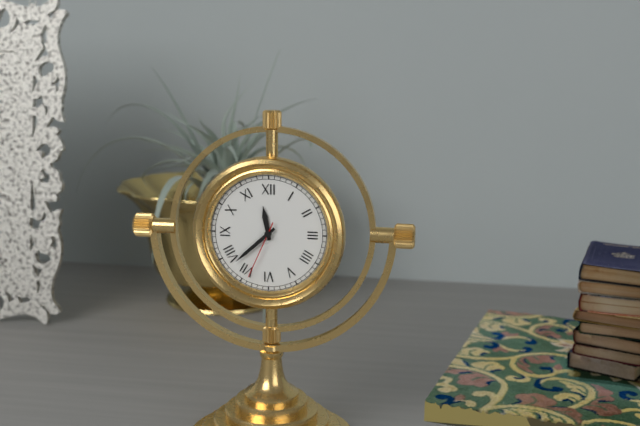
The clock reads 11h38m34s
